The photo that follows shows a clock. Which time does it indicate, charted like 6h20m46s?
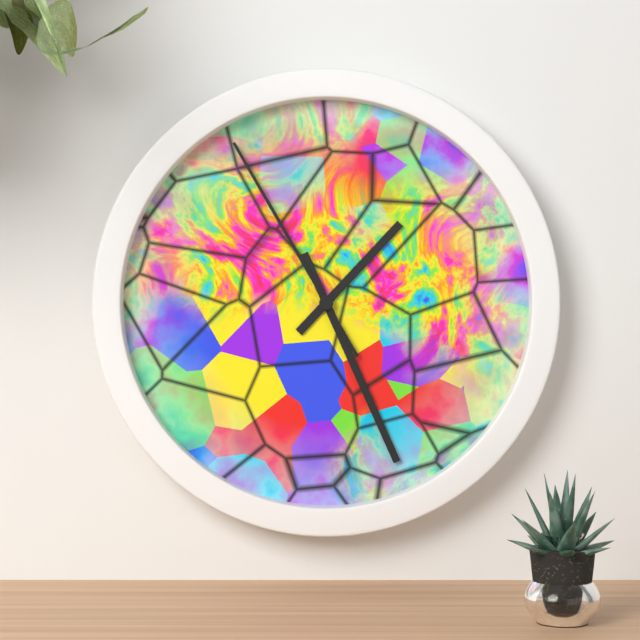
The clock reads 1h26m55s
